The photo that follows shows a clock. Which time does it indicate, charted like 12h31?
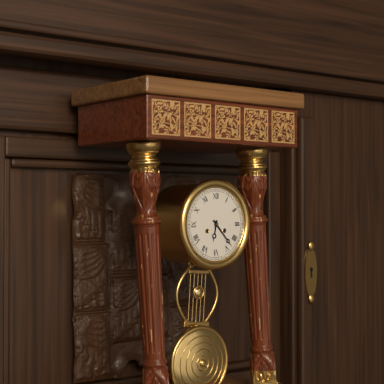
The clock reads 6h23
